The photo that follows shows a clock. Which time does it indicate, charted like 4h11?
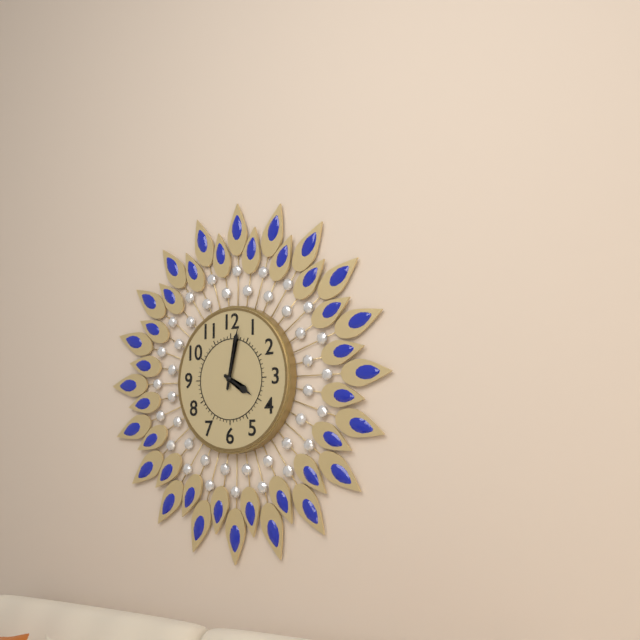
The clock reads 4h02
